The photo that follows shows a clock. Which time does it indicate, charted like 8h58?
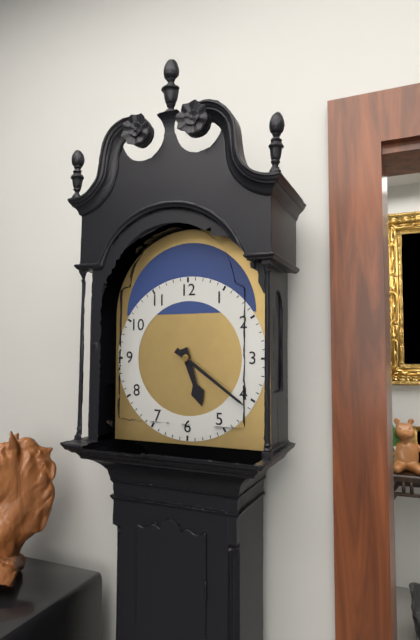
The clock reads 5h21
